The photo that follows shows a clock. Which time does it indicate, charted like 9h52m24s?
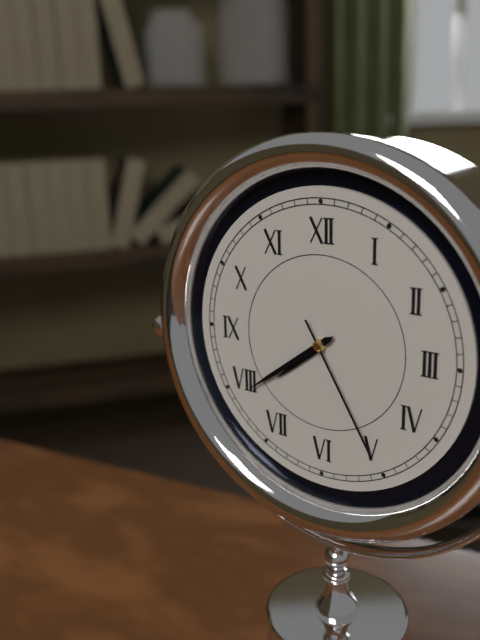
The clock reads 7h39m25s
